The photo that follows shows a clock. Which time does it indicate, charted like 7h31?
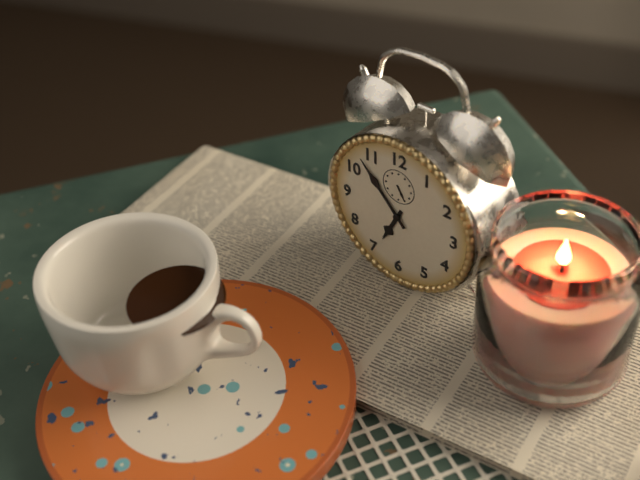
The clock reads 6h53
